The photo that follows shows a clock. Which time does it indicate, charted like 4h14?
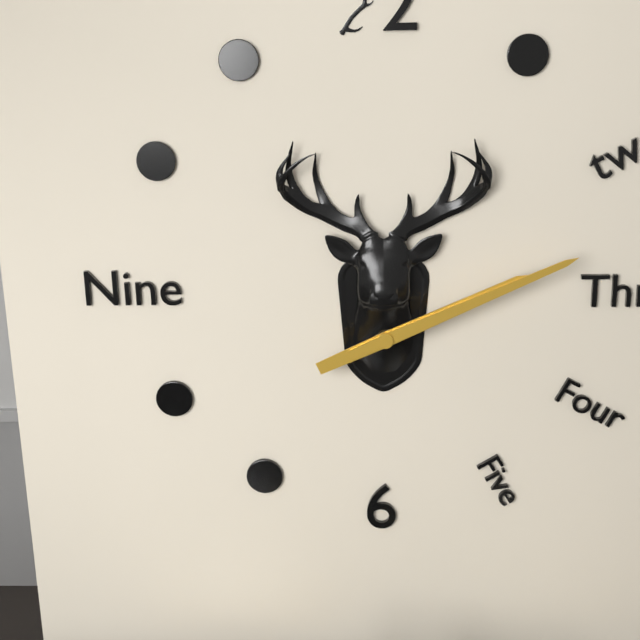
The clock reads 2h11
